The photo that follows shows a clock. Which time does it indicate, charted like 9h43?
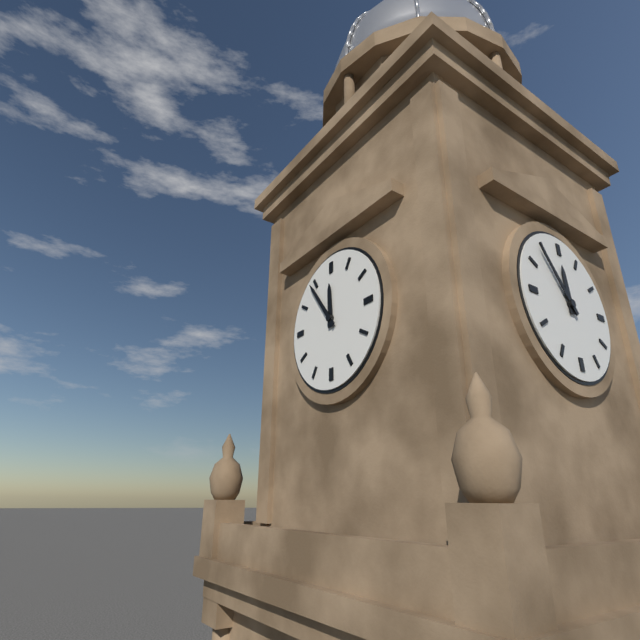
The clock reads 11h54
